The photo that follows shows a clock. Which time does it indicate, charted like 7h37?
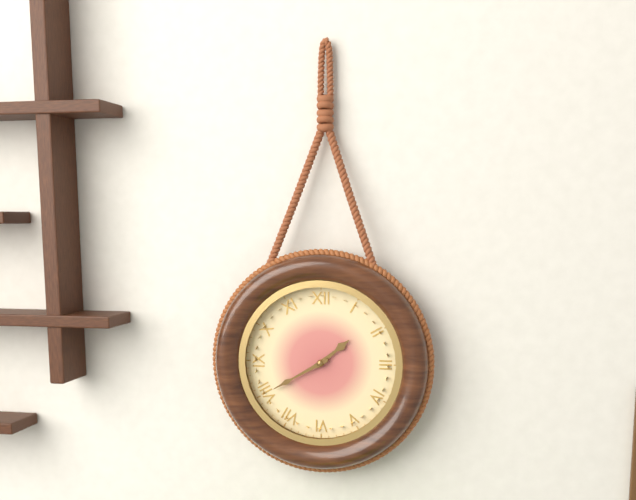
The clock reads 1h40
